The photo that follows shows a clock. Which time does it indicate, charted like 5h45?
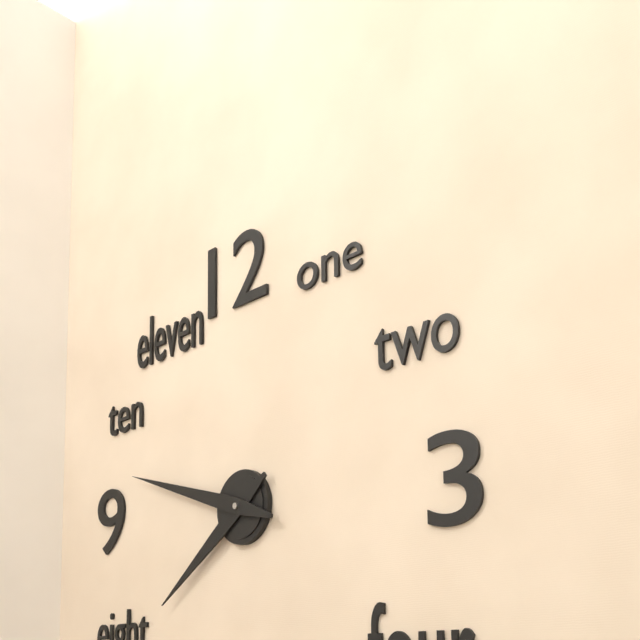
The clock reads 7h48
